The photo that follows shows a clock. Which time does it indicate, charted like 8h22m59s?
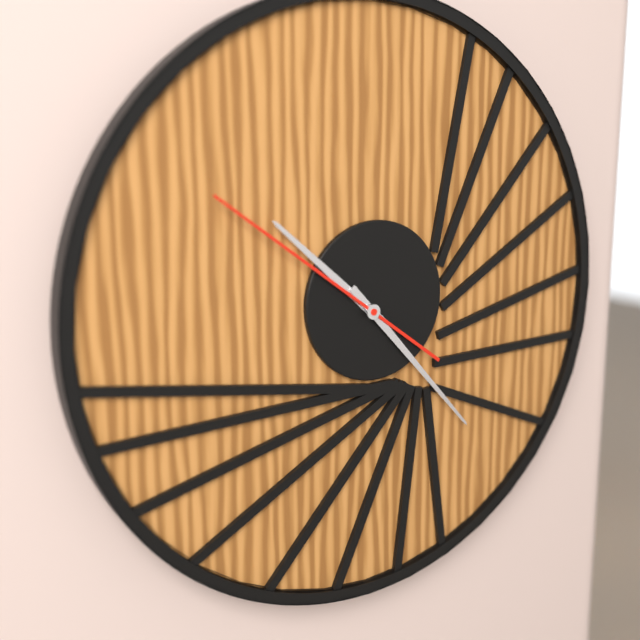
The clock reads 10h23m51s
